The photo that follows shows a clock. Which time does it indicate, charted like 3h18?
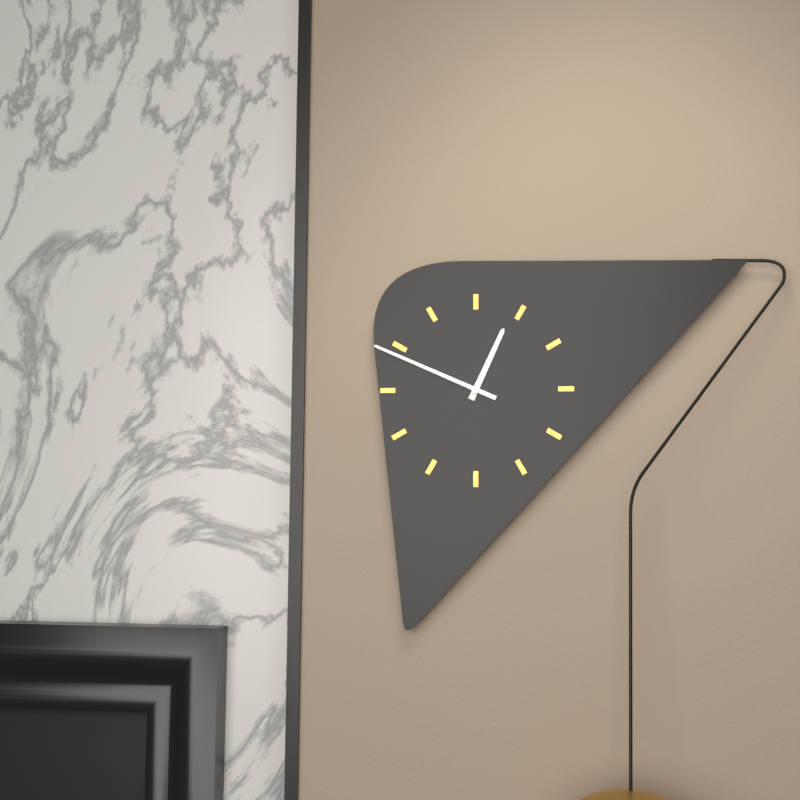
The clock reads 12h49
